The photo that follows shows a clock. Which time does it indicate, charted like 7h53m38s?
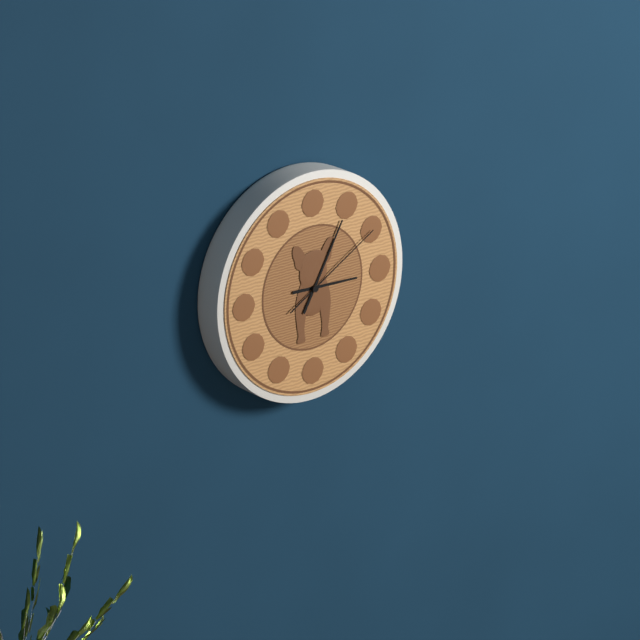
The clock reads 3h05m10s
